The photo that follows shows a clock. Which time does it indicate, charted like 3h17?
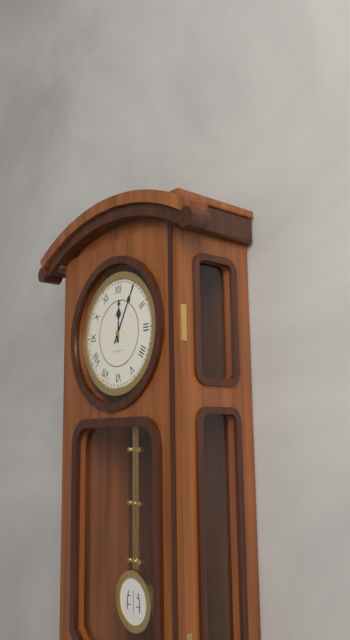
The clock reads 12h05
